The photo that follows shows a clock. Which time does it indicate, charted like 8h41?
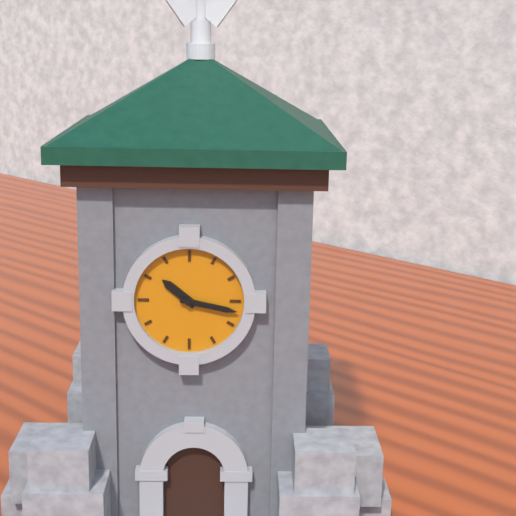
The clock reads 10h17
